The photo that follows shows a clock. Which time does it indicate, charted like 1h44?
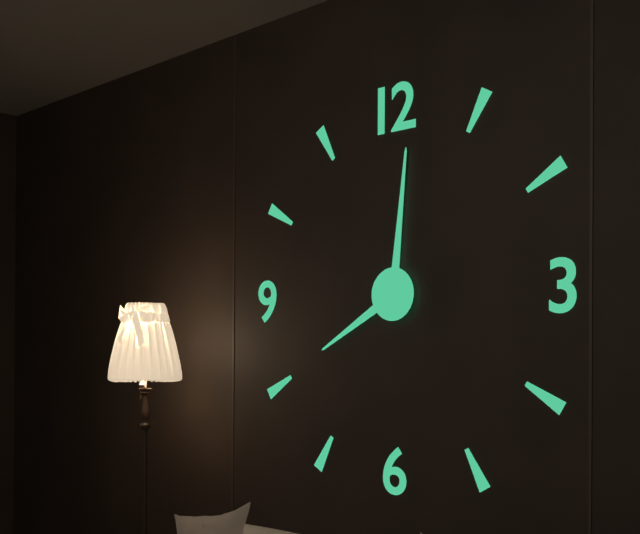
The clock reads 8h01
